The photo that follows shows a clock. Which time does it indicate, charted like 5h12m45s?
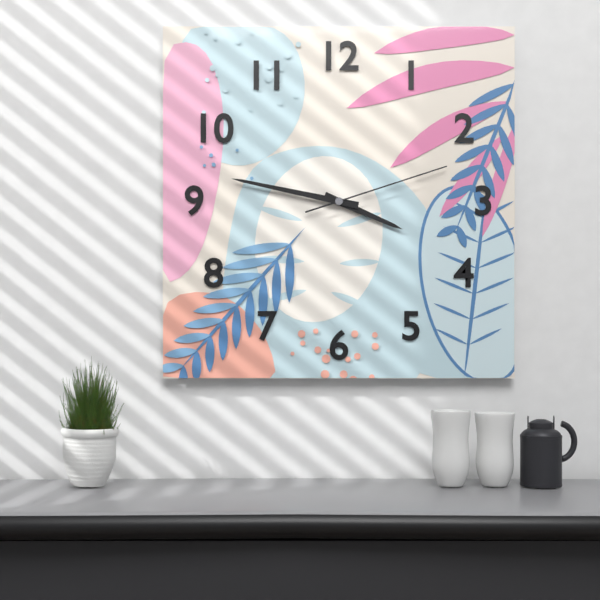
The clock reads 3h47m12s
